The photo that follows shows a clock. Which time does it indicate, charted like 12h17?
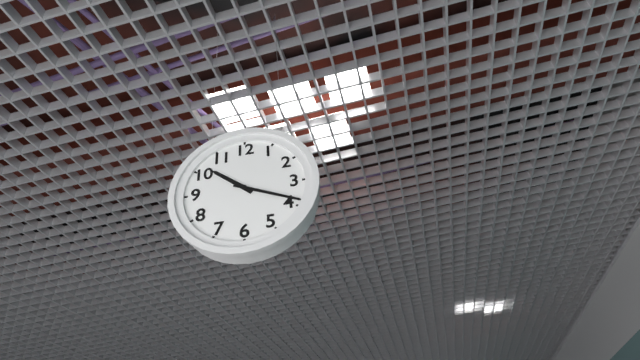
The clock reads 10h19
